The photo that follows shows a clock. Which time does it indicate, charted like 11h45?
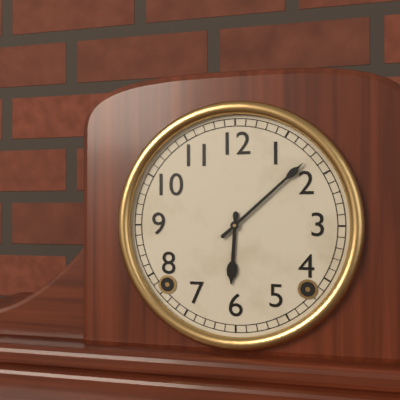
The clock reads 6h08
